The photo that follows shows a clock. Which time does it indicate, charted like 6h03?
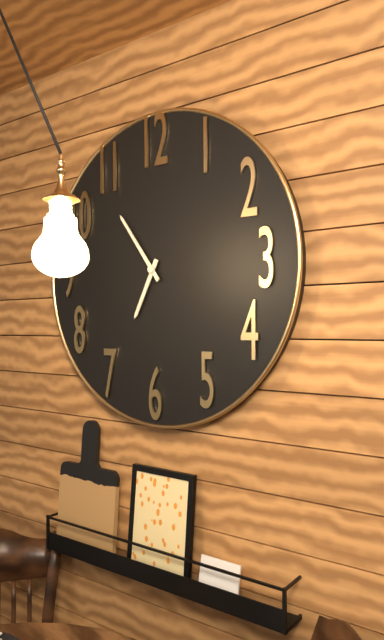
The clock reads 6h54
